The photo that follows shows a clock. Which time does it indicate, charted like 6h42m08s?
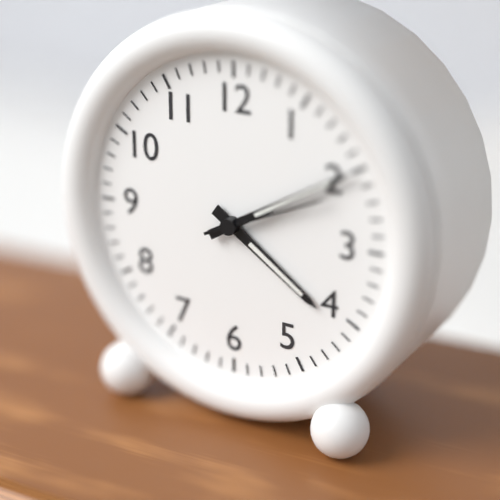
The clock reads 4h10m11s
